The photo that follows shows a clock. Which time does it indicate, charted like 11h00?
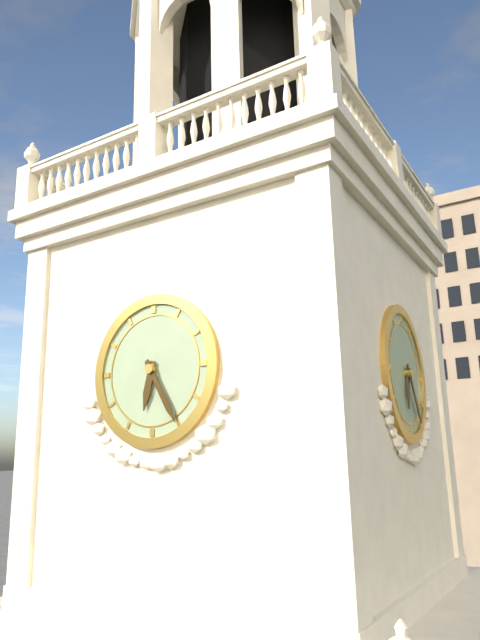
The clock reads 6h25
